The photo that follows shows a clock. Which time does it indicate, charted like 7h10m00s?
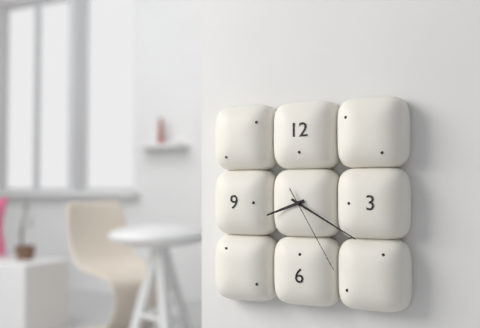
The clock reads 8h20m25s
